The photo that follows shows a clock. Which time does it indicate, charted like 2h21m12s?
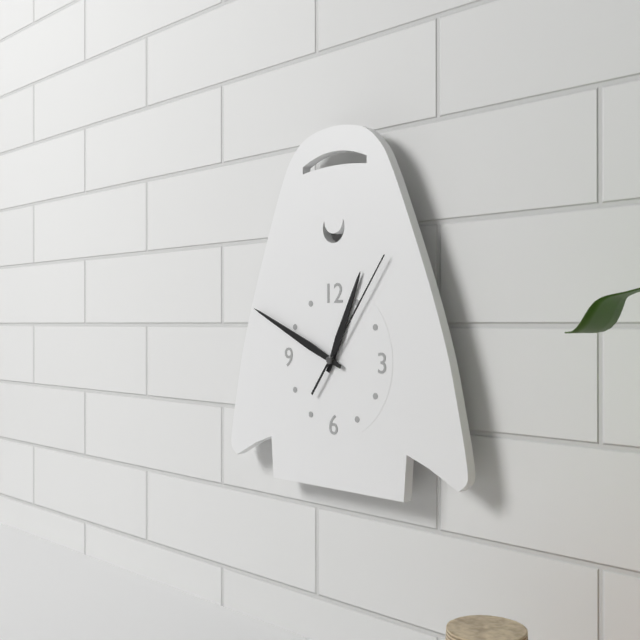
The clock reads 12h49m06s
